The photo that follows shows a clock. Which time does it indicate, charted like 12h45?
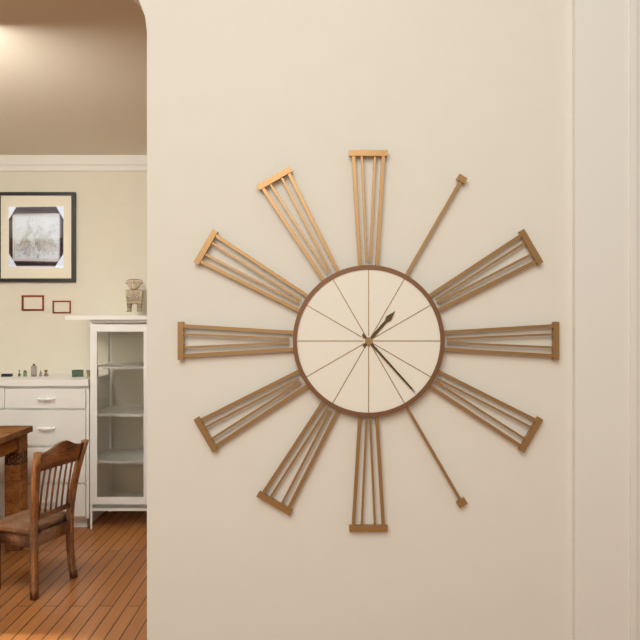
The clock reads 1h23
